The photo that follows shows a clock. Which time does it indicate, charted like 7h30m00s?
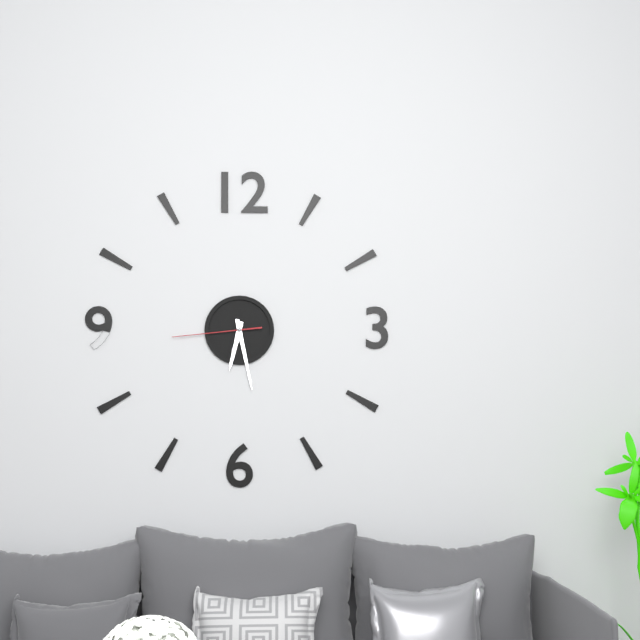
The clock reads 6h28m44s
